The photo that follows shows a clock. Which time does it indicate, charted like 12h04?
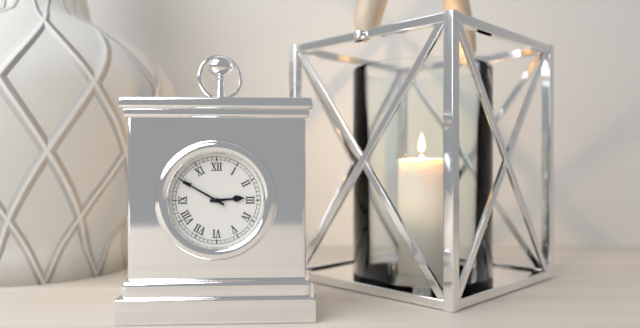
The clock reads 2h50
